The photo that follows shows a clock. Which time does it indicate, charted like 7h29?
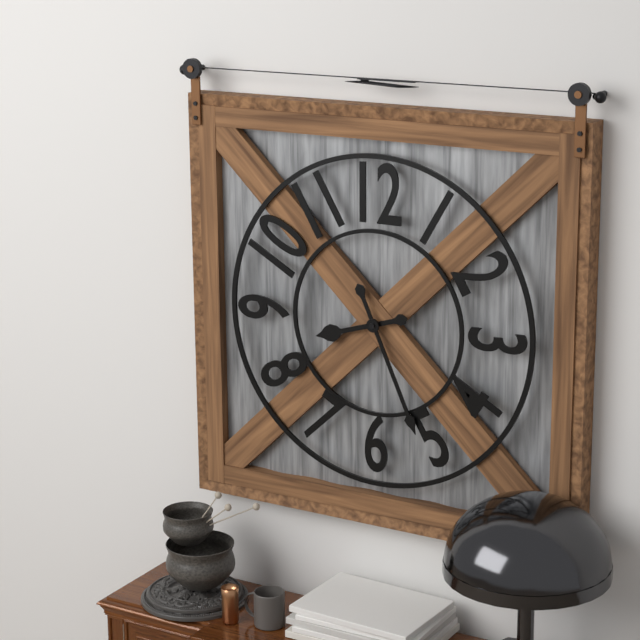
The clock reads 8h26
